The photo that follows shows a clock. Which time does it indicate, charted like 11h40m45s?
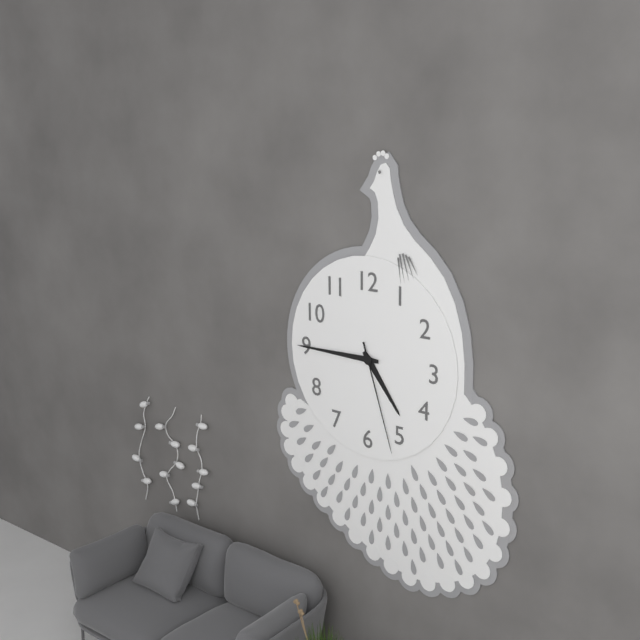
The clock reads 4h45m27s
